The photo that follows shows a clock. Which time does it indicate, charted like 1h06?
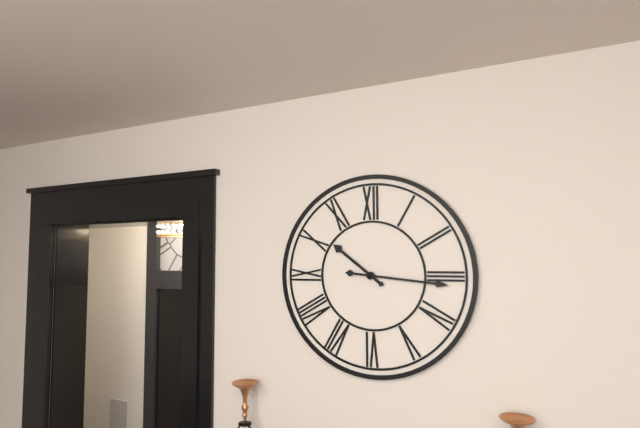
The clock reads 10h16
